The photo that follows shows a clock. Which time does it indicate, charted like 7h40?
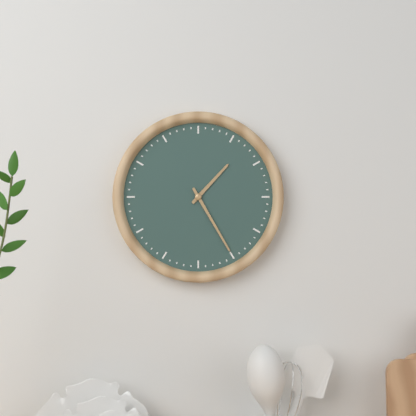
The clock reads 1h25
